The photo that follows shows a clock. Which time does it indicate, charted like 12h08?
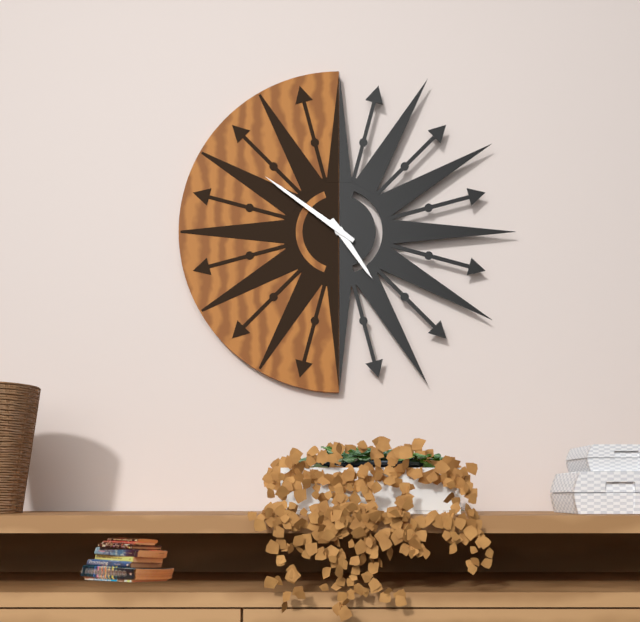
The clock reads 4h51
